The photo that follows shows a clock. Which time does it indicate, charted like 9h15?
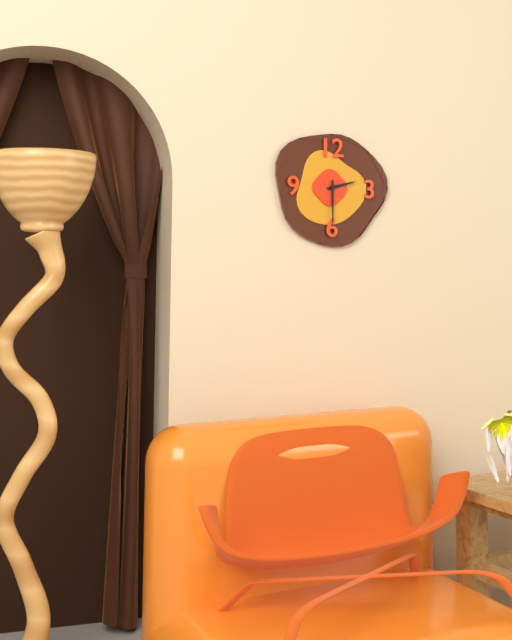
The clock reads 2h30
